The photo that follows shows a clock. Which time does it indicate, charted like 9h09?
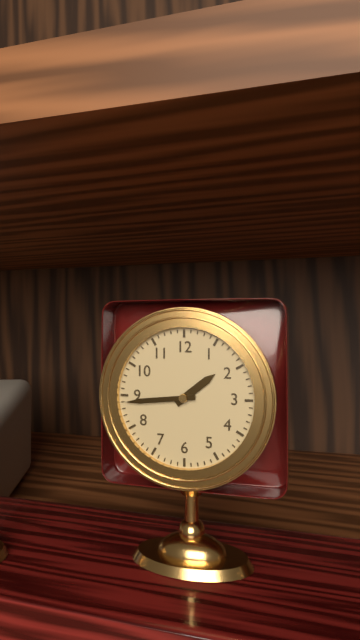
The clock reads 1h44
